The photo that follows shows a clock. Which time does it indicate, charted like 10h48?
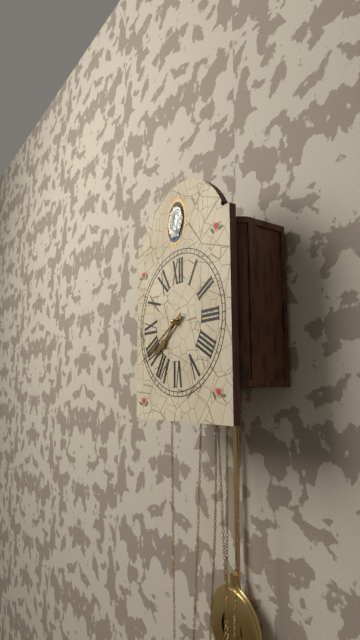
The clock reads 7h40
